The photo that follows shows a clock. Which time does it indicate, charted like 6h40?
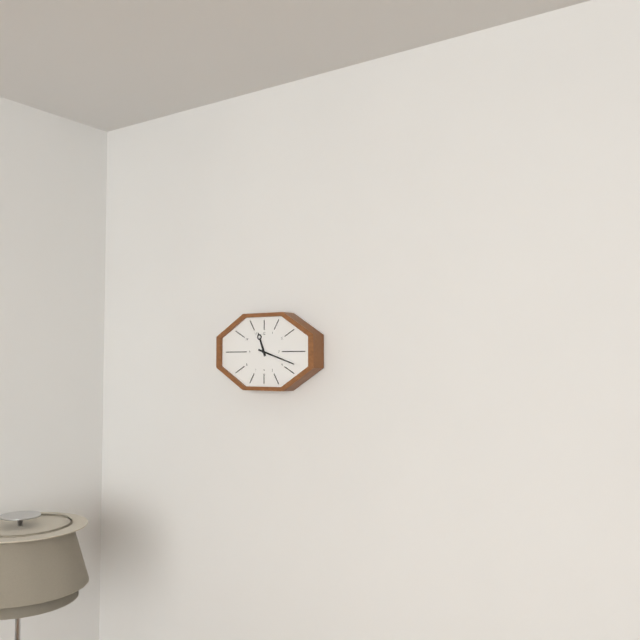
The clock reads 11h18
